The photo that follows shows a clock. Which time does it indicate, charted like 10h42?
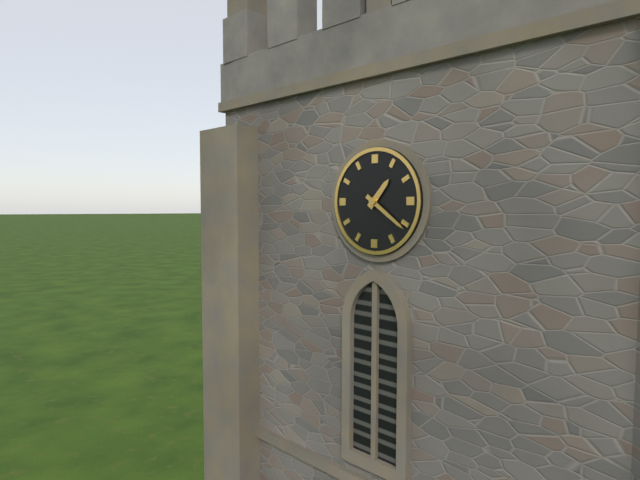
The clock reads 1h21
